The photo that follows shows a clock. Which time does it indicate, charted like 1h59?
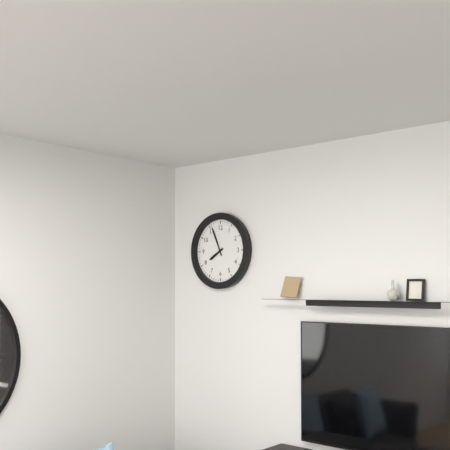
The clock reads 7h56
